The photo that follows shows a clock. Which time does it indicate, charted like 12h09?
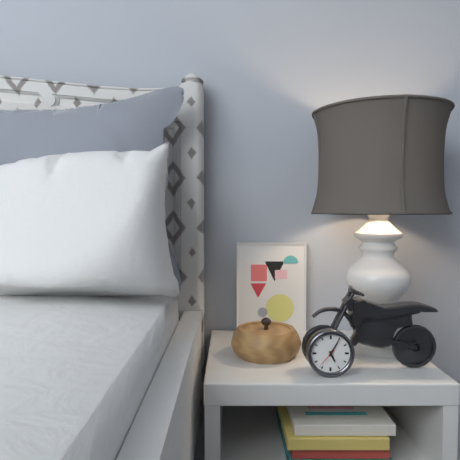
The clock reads 5h05
